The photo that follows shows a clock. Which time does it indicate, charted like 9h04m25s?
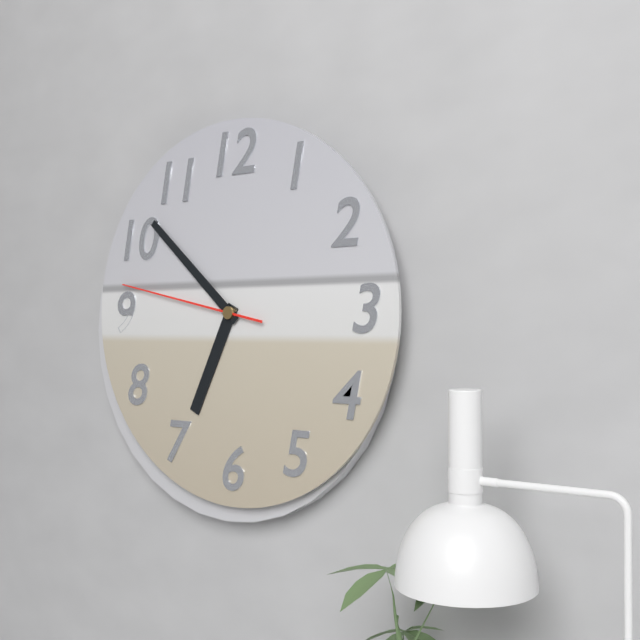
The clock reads 6h52m47s
